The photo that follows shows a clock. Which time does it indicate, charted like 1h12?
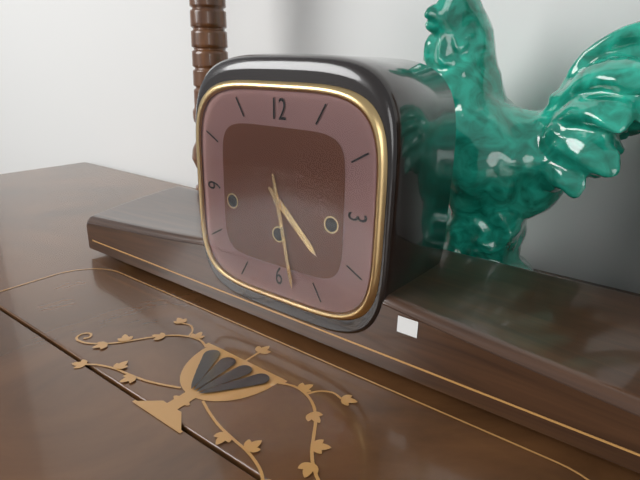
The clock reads 4h28
